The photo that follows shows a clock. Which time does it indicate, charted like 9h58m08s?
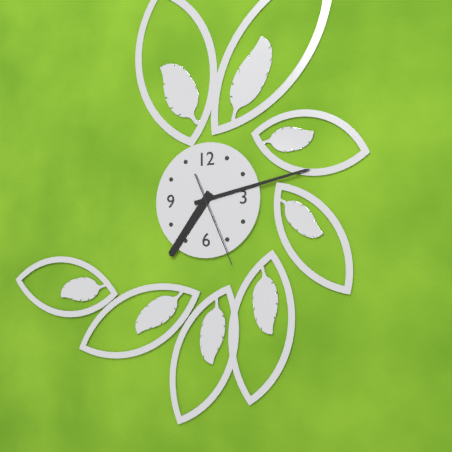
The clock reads 7h13m26s
